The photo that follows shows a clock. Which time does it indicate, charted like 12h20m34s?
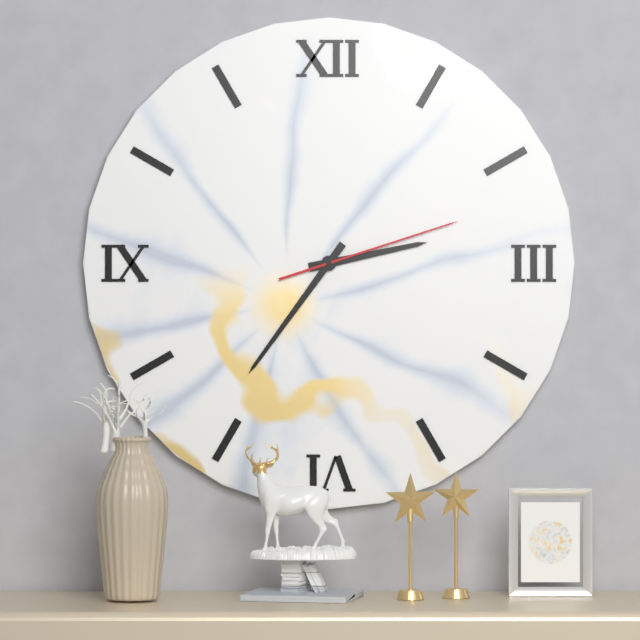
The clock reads 2h36m12s
